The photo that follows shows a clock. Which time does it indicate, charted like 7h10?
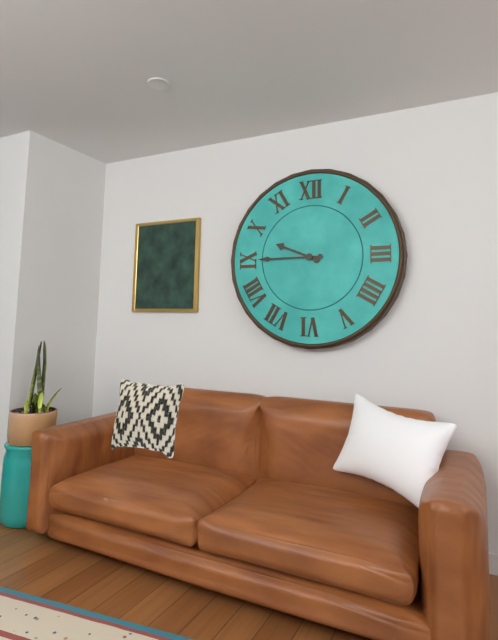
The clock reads 9h45
